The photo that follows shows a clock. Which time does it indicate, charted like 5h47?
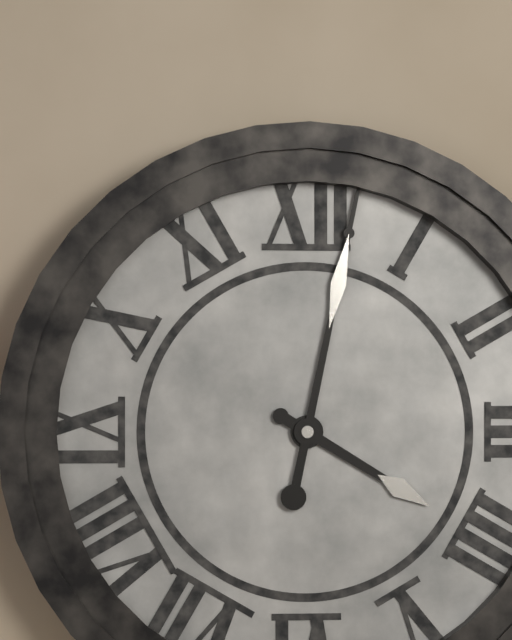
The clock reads 4h02
